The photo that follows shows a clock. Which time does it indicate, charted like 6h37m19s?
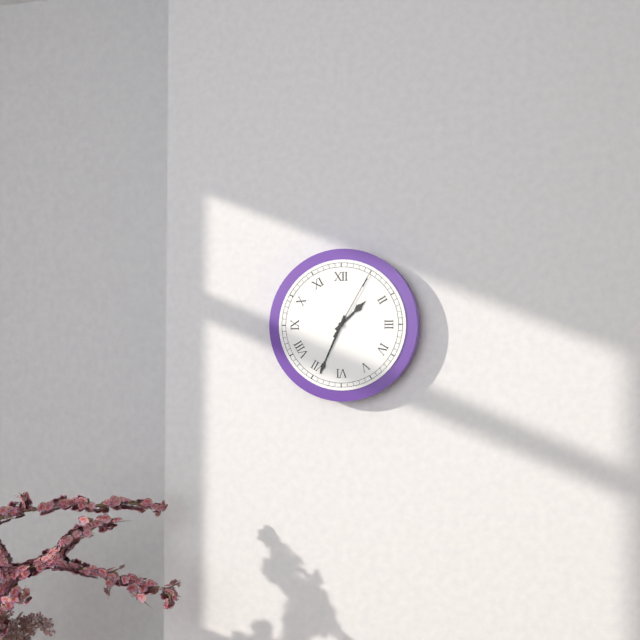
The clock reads 1h34m05s
